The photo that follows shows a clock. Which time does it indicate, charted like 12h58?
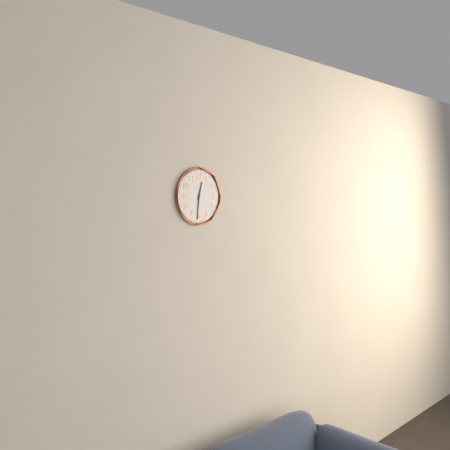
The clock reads 12h31
